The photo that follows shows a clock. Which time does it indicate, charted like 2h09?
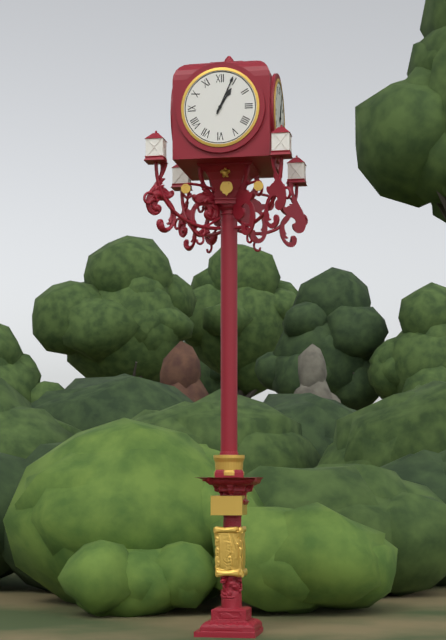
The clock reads 1h04
